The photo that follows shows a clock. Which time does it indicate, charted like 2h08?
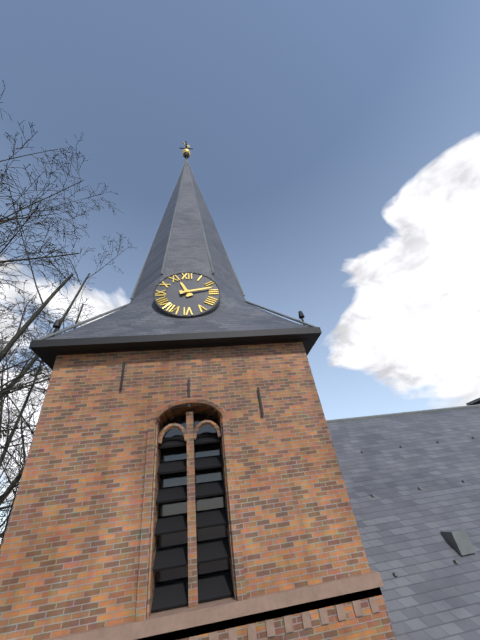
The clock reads 11h13
